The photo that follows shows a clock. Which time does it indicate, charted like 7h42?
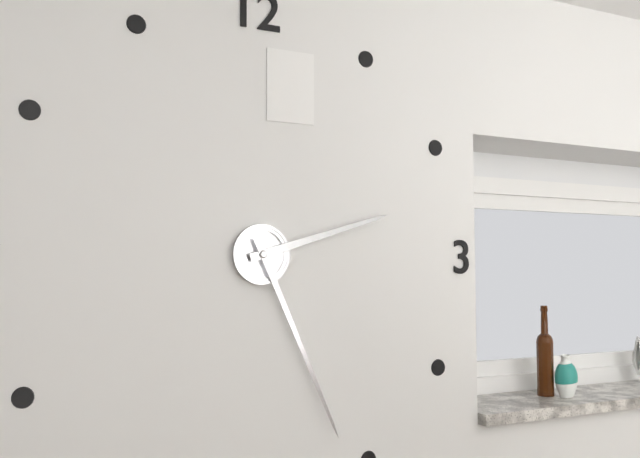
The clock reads 2h26
